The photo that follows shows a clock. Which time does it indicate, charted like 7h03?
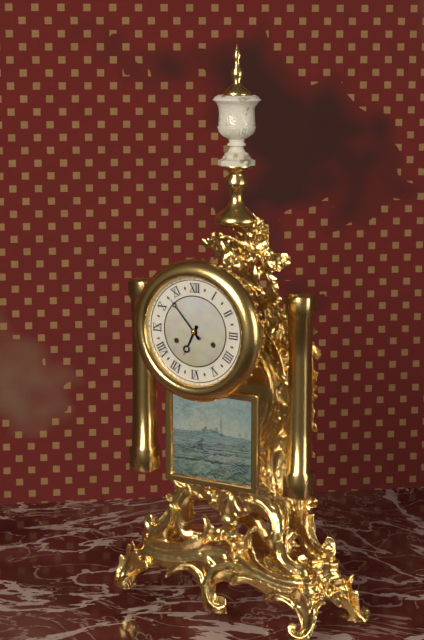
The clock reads 6h53
